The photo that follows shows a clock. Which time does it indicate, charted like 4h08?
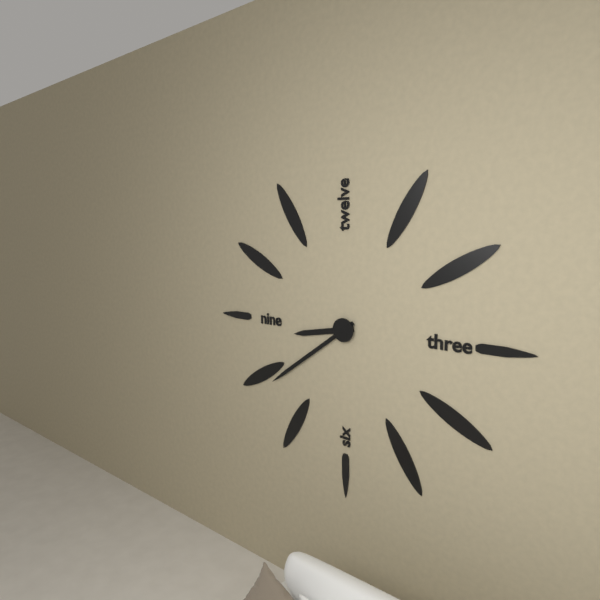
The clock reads 8h39
